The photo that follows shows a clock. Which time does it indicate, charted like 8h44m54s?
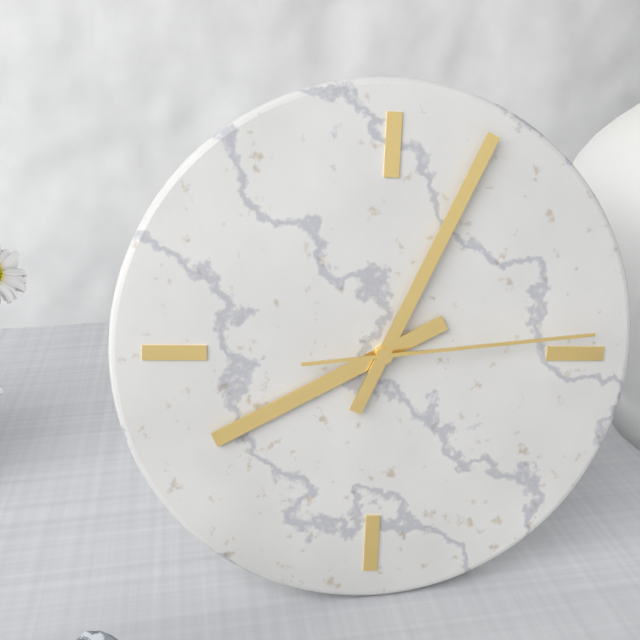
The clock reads 8h04m14s
